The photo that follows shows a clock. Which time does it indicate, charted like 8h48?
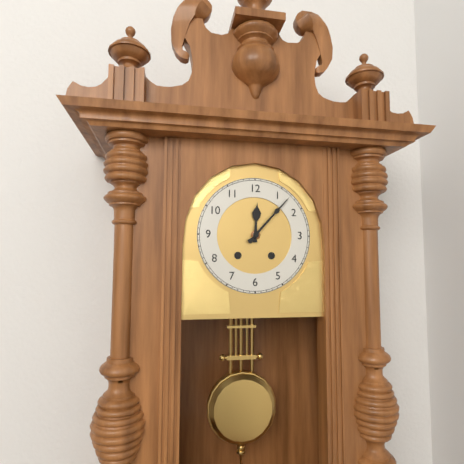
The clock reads 12h07
